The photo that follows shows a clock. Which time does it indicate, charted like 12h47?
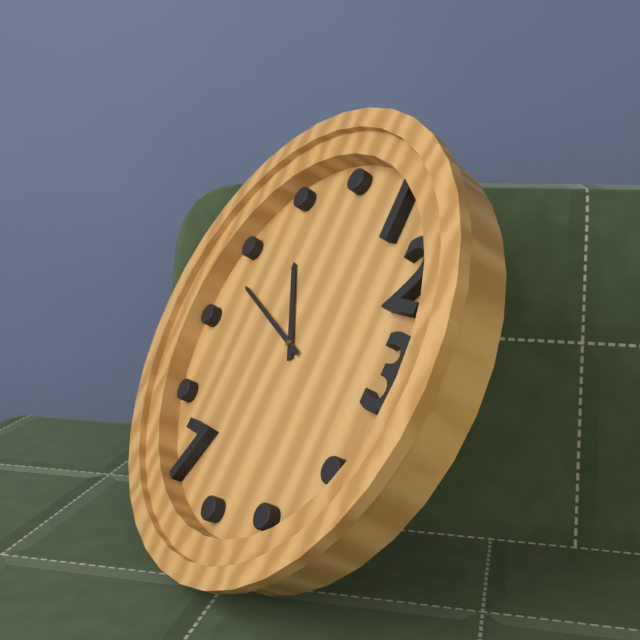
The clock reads 10h48
